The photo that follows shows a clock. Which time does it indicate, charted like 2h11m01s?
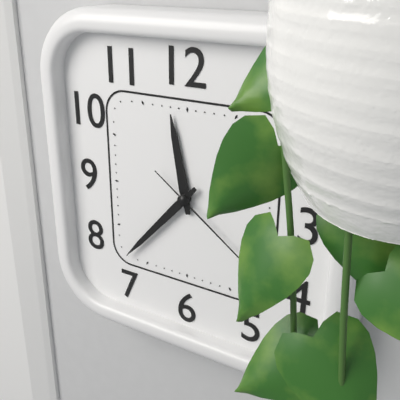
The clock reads 11h37m21s
